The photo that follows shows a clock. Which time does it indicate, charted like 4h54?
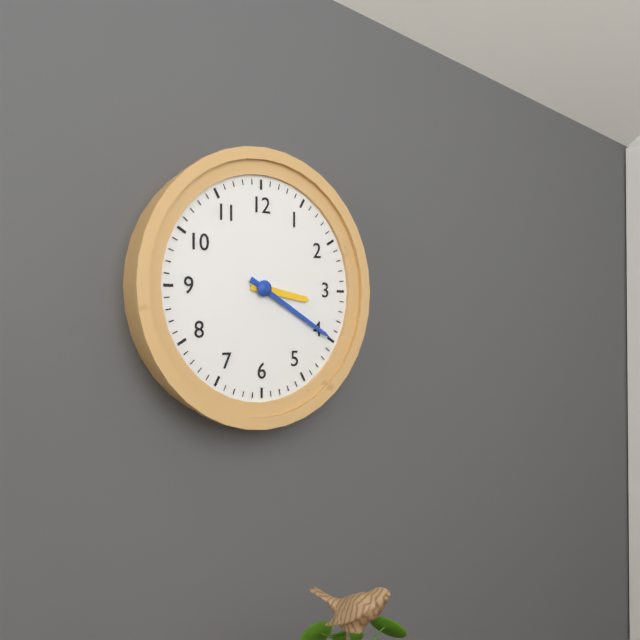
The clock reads 3h20
